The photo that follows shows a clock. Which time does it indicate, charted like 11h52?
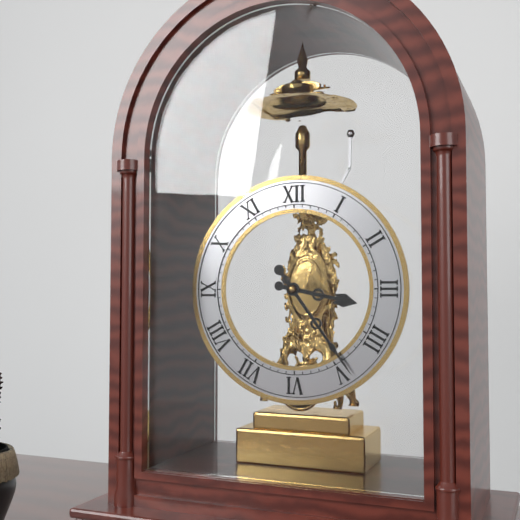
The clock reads 3h24
